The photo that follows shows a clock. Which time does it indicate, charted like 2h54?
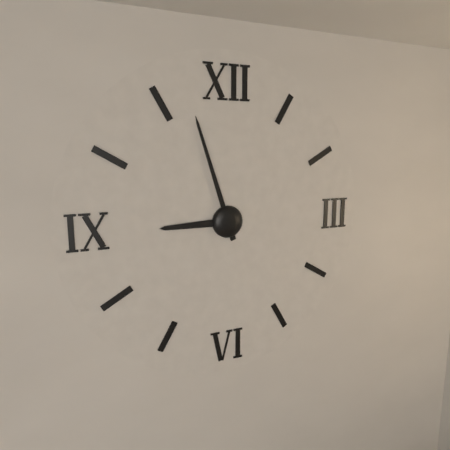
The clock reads 8h57
